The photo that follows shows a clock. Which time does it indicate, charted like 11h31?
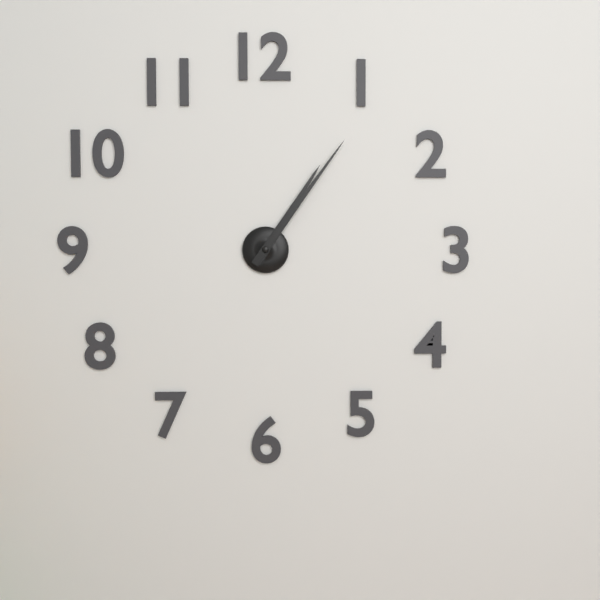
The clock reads 1h06
